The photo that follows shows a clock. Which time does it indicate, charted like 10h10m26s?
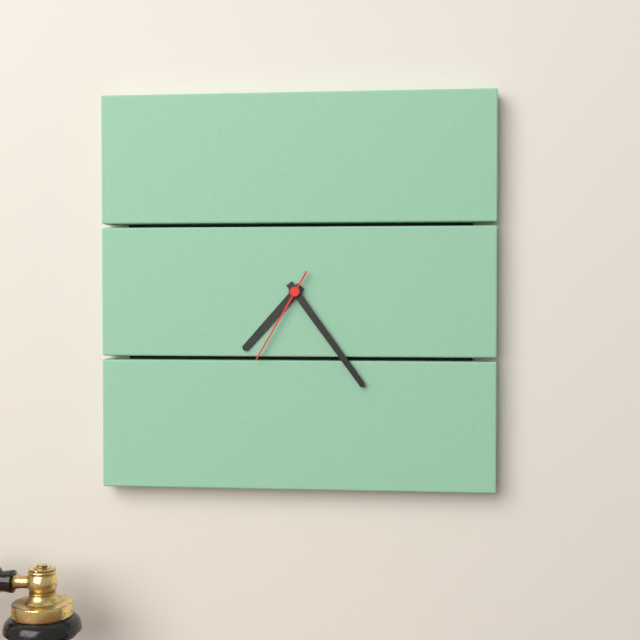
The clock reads 7h24m35s
